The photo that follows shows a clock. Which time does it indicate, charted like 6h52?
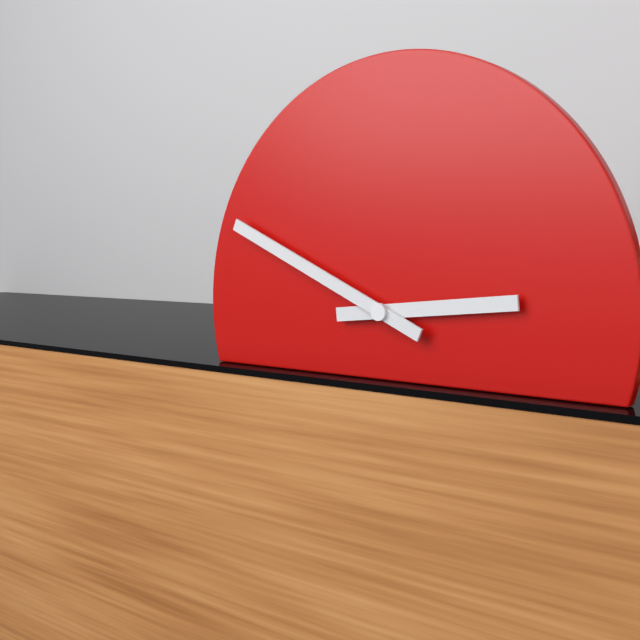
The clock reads 2h49
